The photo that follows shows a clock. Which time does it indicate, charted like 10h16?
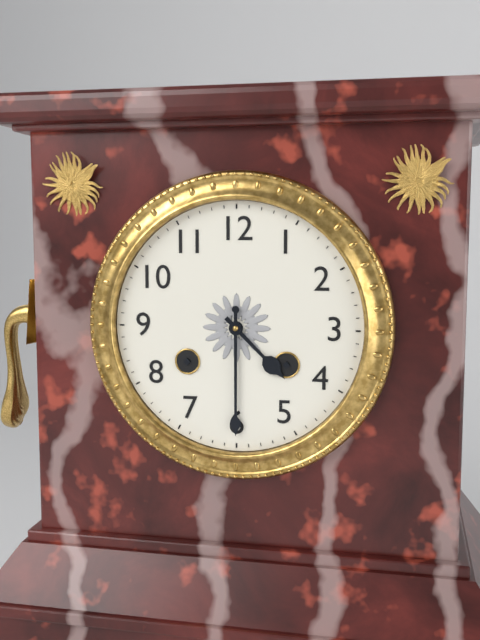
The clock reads 4h30
